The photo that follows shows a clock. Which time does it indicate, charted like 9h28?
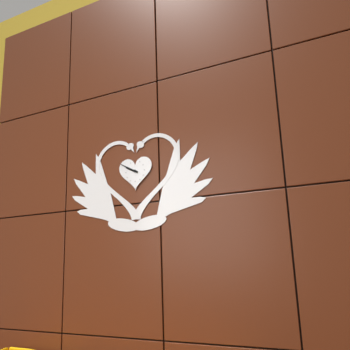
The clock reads 9h50
